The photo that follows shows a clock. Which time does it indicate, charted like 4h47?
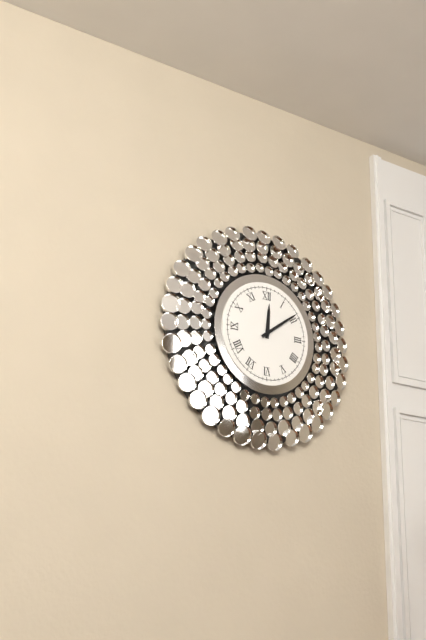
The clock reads 12h09
